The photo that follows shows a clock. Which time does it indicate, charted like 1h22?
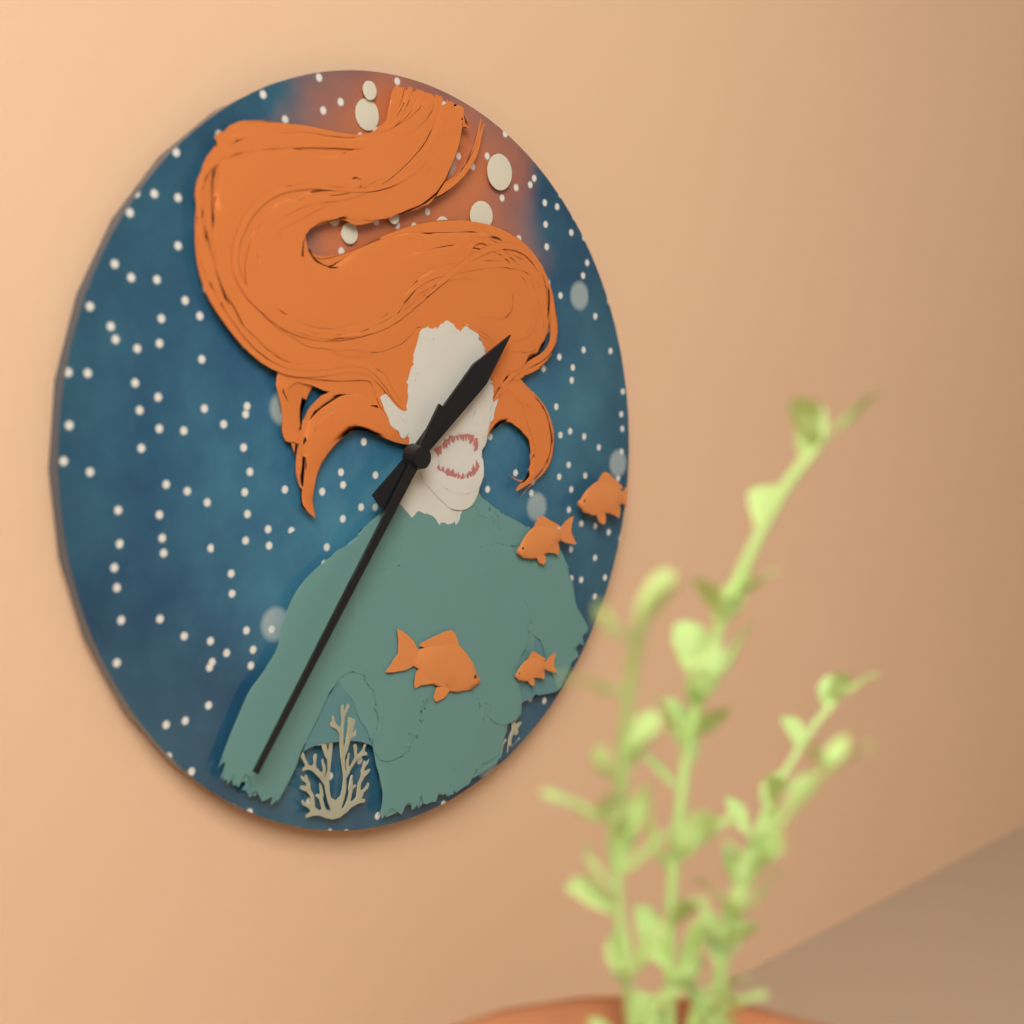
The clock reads 1h36
